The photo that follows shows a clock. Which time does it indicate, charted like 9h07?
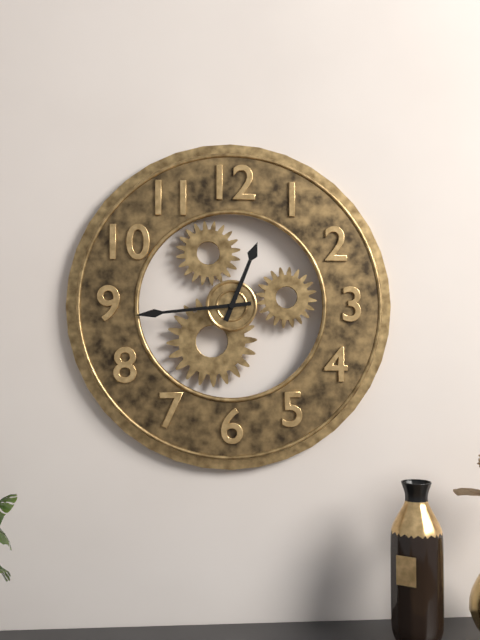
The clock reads 12h44
